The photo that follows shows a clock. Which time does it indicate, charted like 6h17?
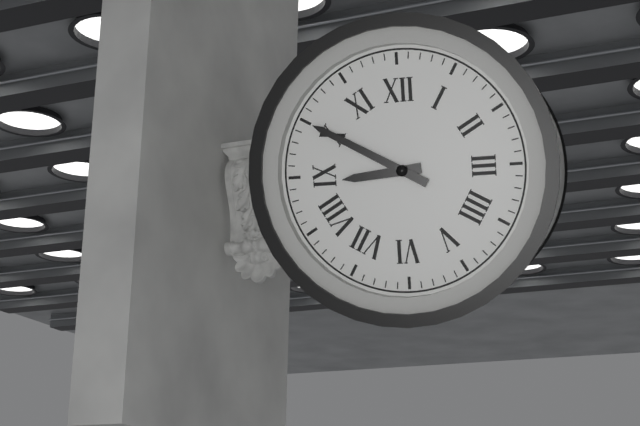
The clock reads 8h50
